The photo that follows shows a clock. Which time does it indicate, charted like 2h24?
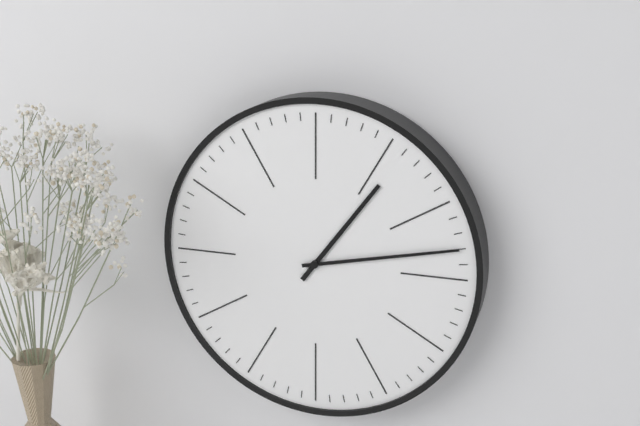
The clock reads 1h13
